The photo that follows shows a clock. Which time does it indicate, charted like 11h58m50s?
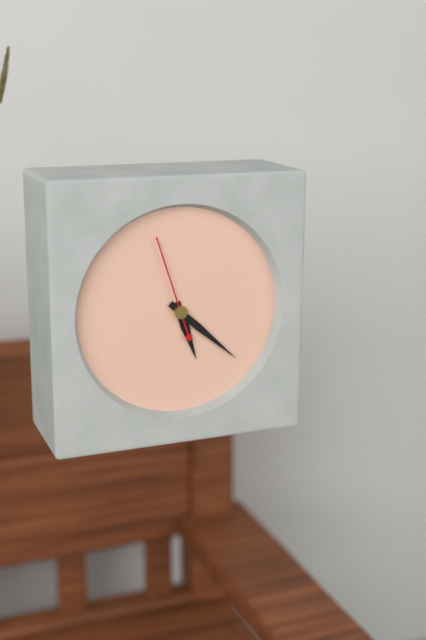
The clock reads 5h22m57s
